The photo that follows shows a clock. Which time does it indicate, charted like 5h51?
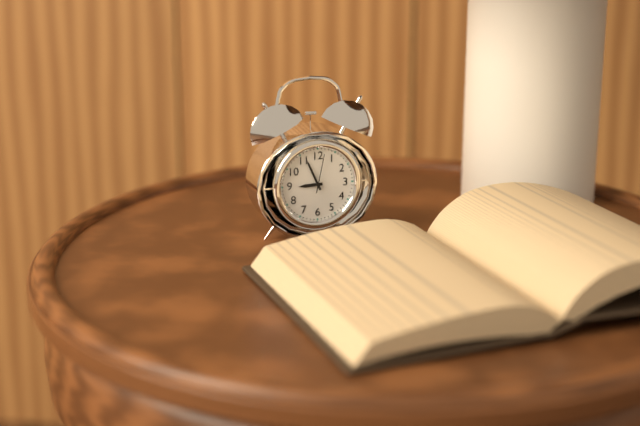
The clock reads 8h56
